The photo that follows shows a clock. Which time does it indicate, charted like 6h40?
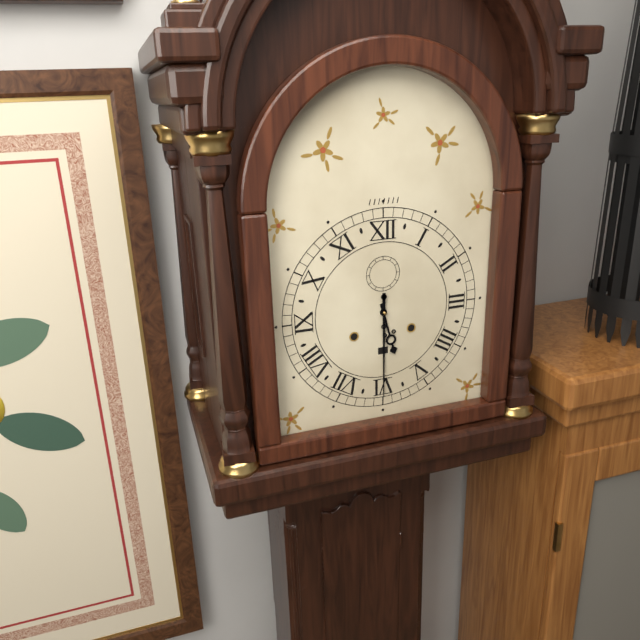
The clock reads 5h30
